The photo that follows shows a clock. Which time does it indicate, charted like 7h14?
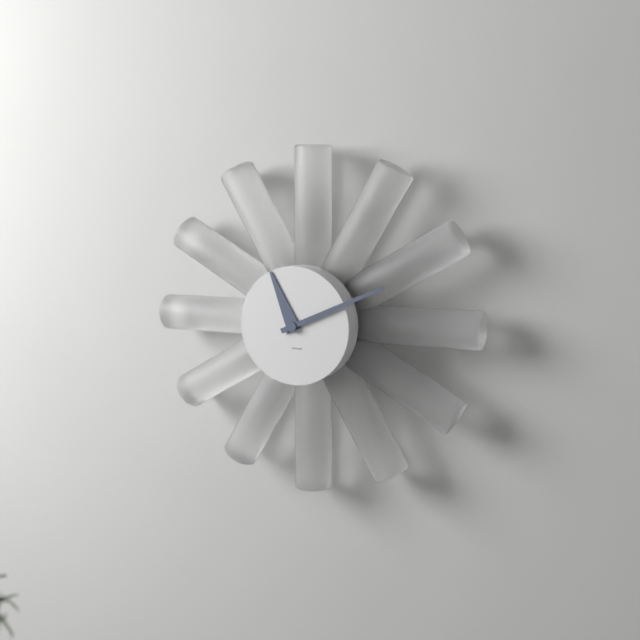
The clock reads 11h11
